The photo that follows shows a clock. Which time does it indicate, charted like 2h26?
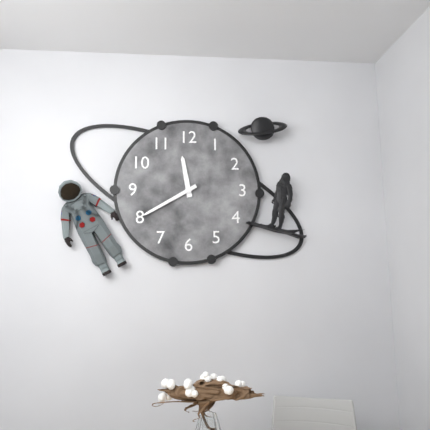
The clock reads 11h40
